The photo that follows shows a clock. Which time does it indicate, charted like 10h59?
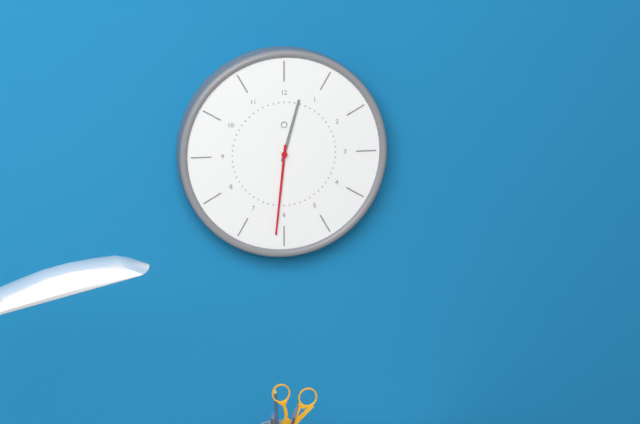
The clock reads 12h31
